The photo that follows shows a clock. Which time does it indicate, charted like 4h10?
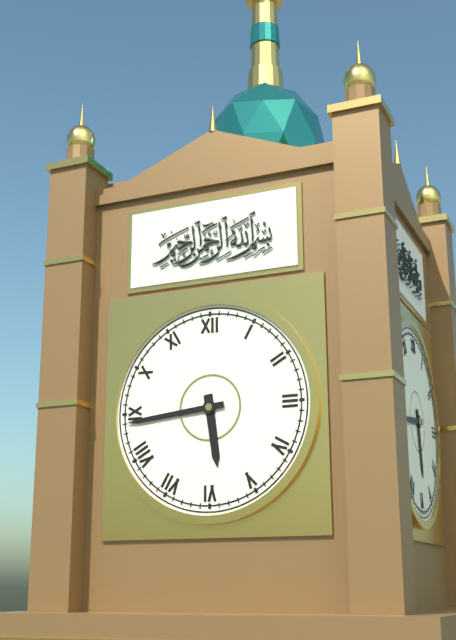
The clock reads 5h44
